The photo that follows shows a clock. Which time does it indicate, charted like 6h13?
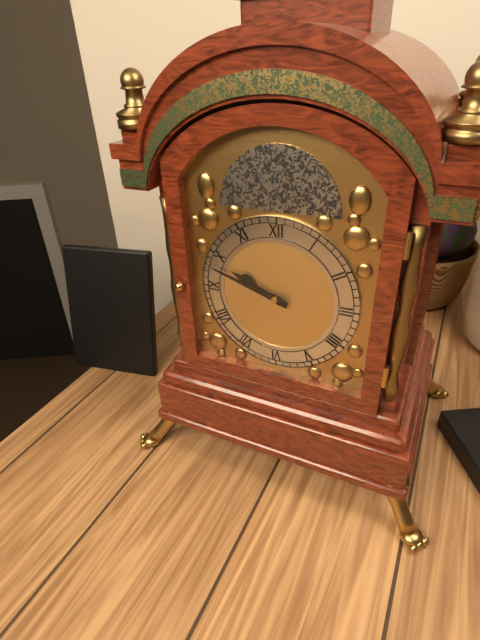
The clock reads 9h48
